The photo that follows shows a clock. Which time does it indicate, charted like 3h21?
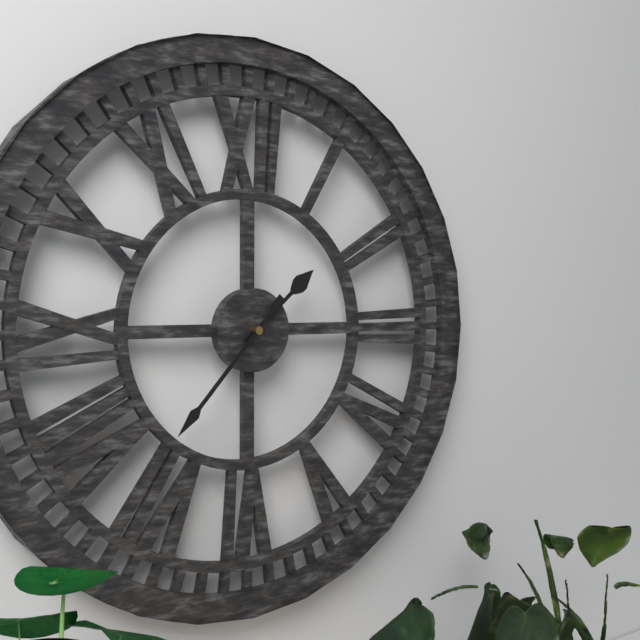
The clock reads 1h37
